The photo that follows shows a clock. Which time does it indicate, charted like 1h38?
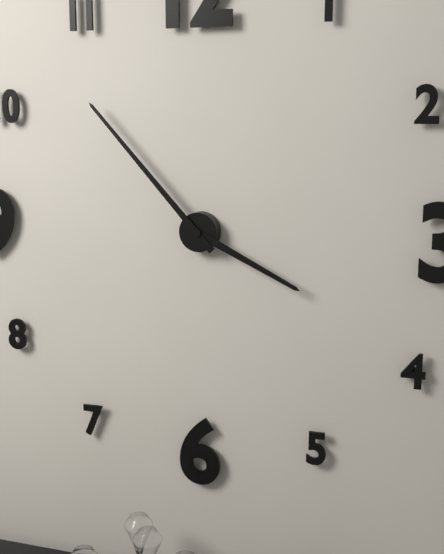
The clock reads 3h53
